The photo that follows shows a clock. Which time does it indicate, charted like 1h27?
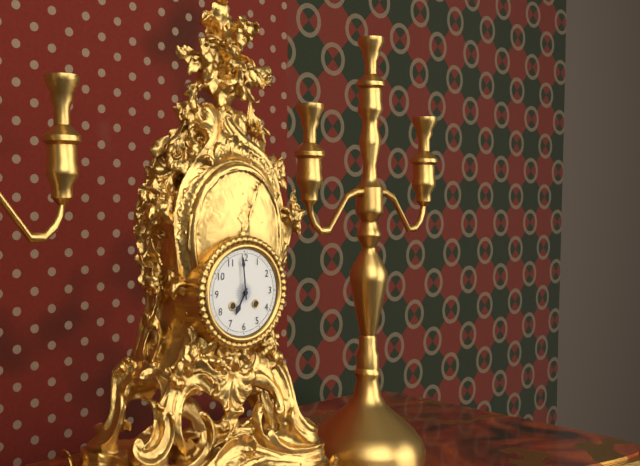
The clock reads 6h59
